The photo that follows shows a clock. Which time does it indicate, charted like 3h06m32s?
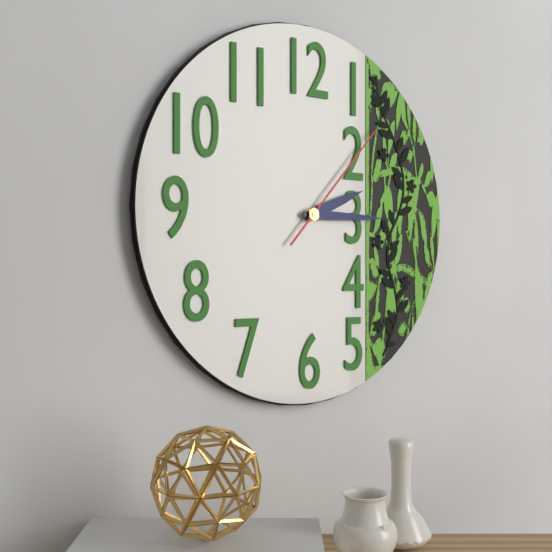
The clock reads 2h15m07s
